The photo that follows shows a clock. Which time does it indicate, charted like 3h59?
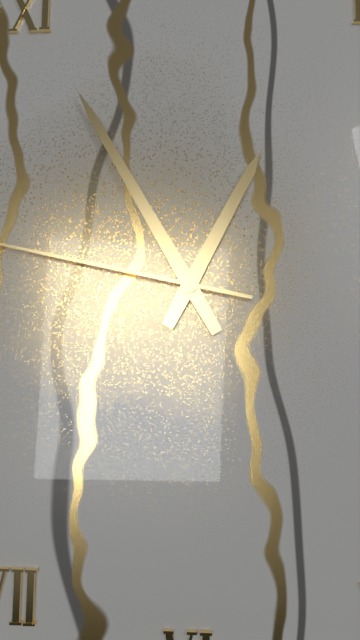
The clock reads 12h55
